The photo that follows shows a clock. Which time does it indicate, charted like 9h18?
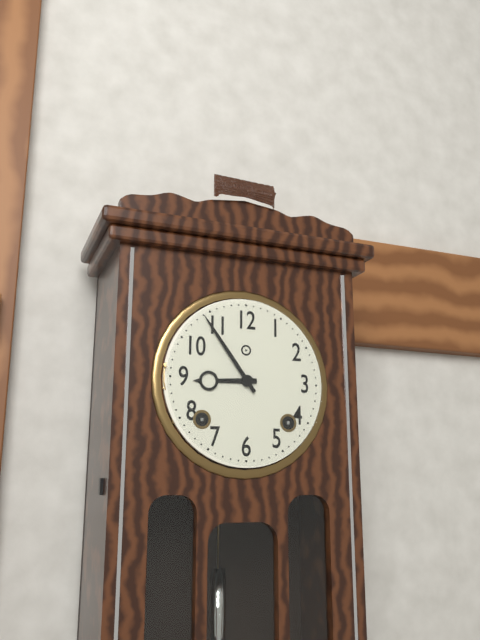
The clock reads 8h54
